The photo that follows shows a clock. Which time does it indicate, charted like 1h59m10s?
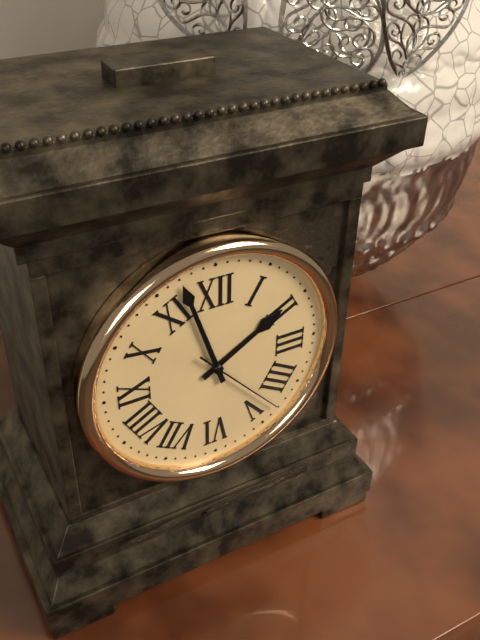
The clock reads 1h57m23s
